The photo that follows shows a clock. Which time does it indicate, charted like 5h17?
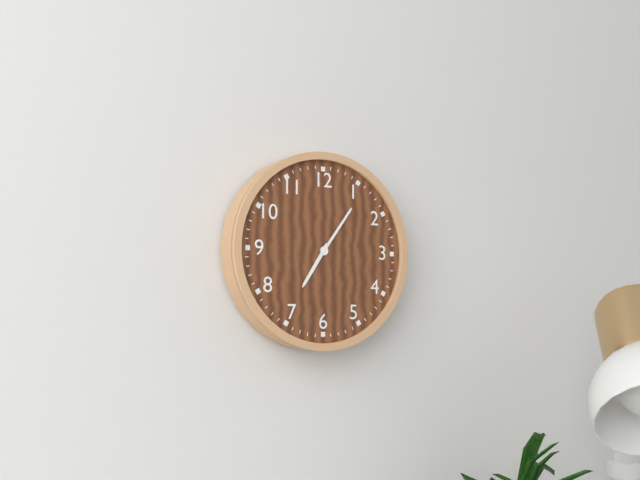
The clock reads 7h06
